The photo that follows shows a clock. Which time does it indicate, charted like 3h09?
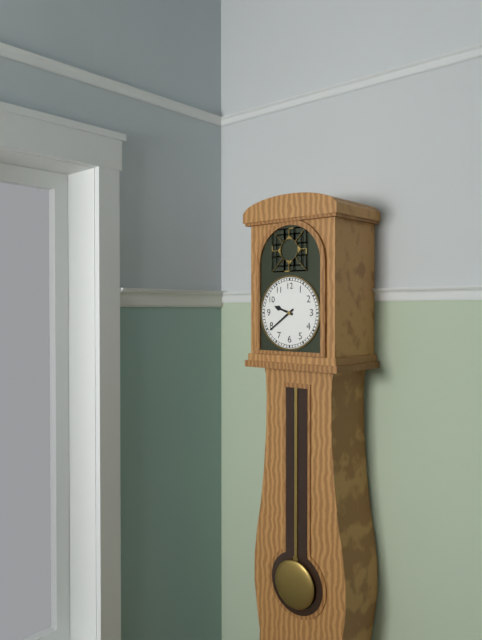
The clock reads 9h39
